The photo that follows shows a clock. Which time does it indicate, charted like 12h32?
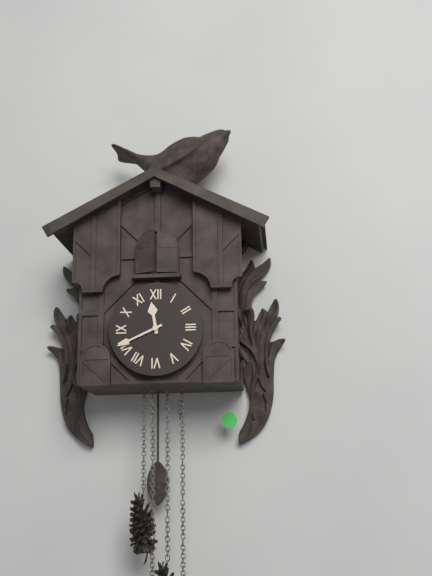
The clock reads 11h41
